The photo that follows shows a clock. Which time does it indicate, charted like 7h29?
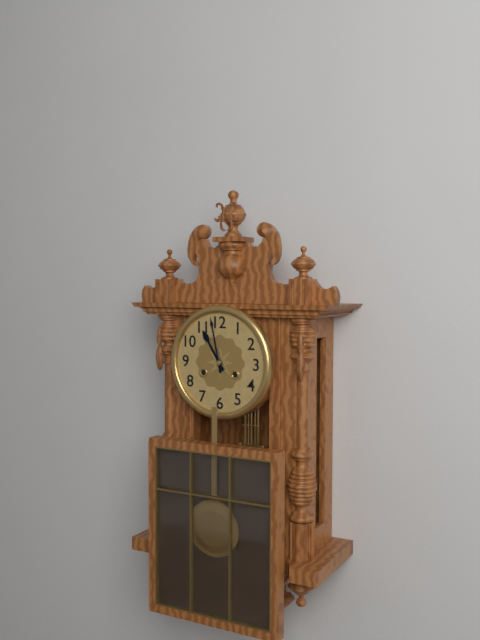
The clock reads 10h58
